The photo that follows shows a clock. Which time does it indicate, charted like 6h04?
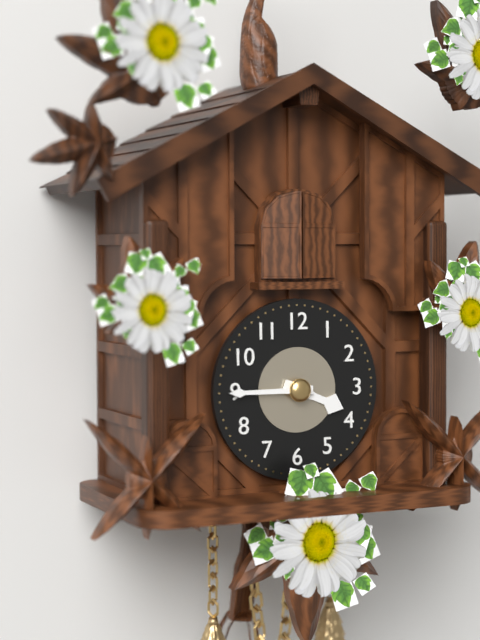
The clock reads 3h45
